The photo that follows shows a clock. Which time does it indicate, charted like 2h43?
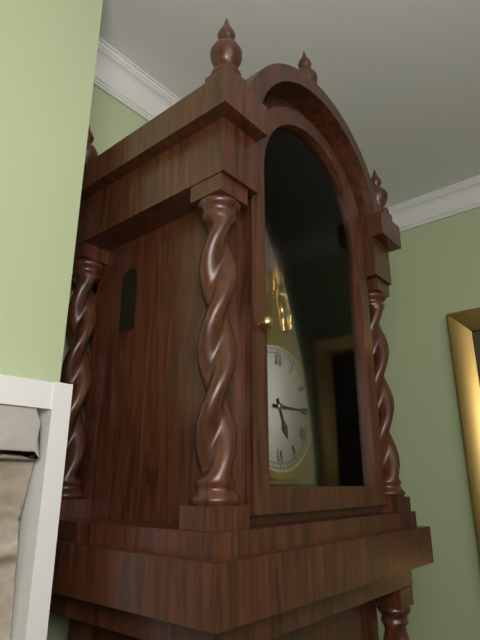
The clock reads 5h15
